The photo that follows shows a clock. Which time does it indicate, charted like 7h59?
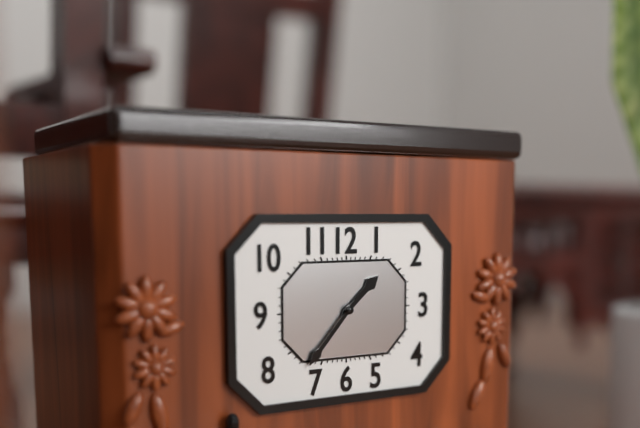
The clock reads 1h37
